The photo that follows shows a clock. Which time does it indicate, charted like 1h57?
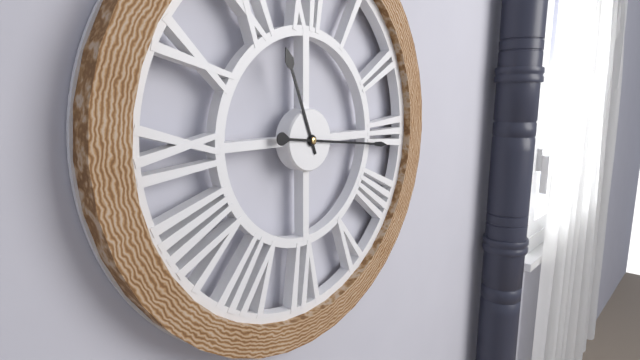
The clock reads 11h16
